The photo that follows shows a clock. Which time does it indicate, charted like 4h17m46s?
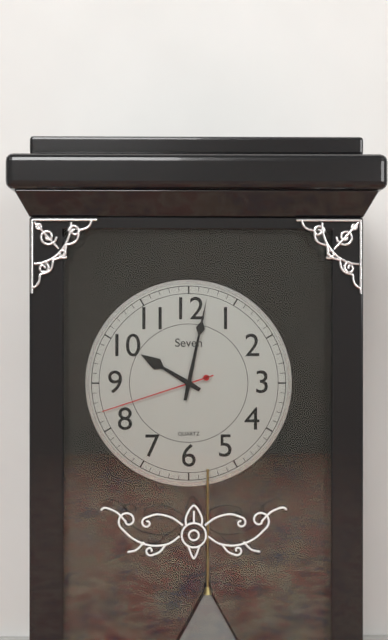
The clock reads 10h02m42s
